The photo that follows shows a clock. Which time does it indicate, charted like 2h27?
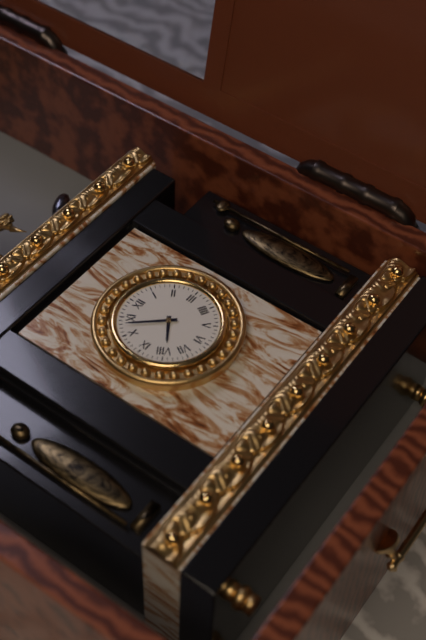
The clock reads 7h53
